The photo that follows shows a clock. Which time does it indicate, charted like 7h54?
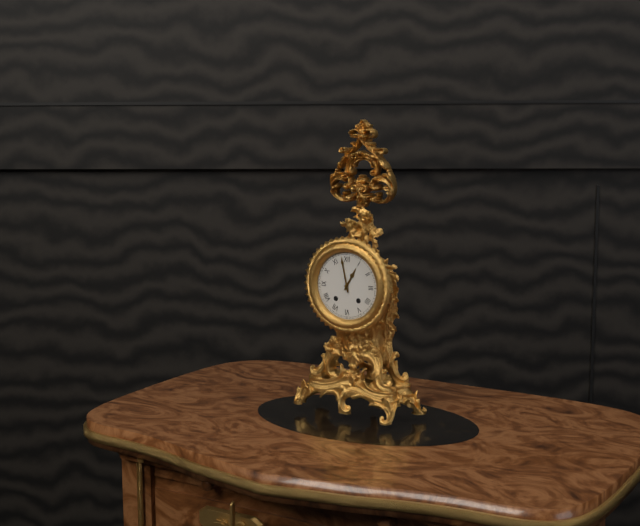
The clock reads 12h58
